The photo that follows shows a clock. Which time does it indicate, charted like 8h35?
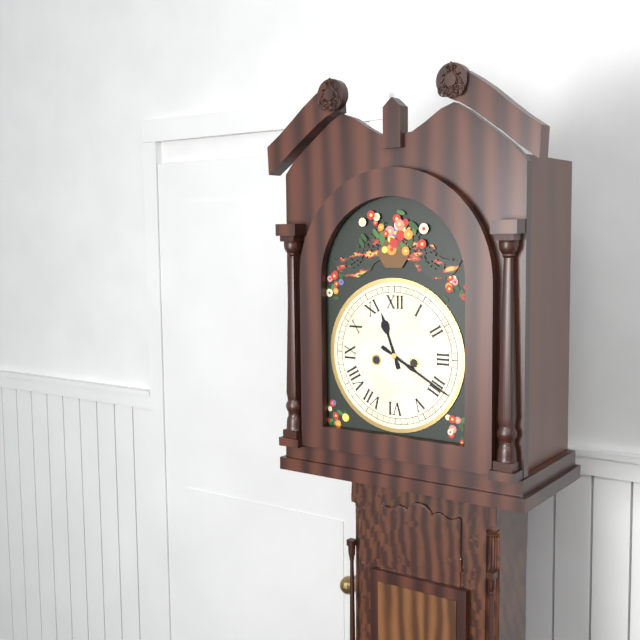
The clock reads 11h20
